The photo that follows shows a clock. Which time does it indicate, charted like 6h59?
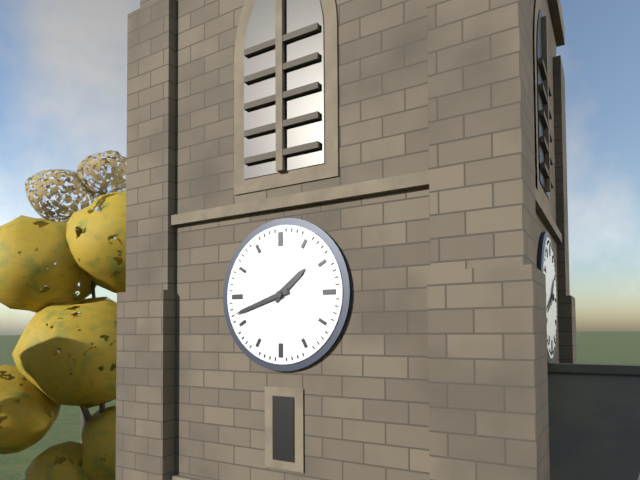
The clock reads 1h42
